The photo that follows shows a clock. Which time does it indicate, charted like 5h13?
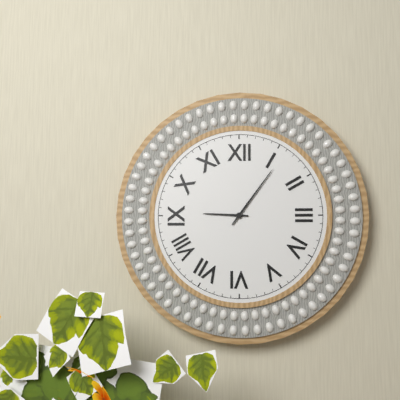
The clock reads 9h06
